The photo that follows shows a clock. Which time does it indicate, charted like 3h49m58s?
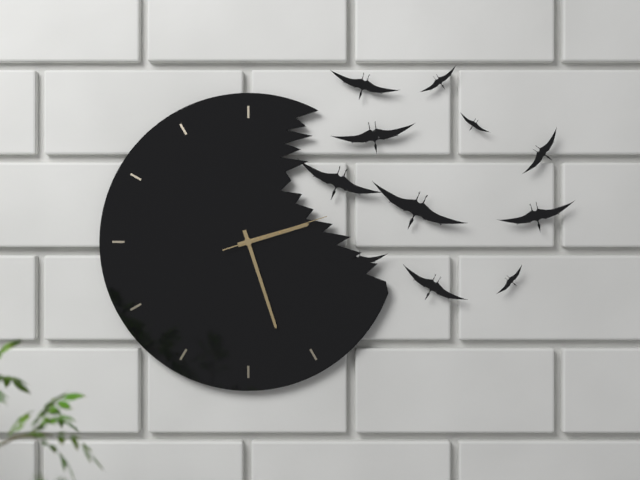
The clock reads 2h27m12s
